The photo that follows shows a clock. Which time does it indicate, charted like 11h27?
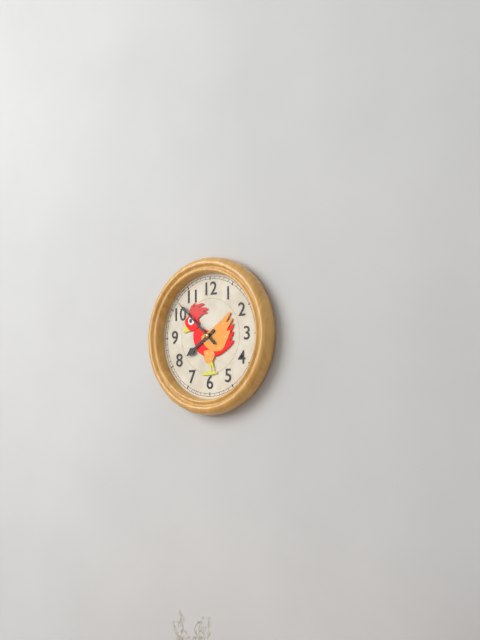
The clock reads 7h52
